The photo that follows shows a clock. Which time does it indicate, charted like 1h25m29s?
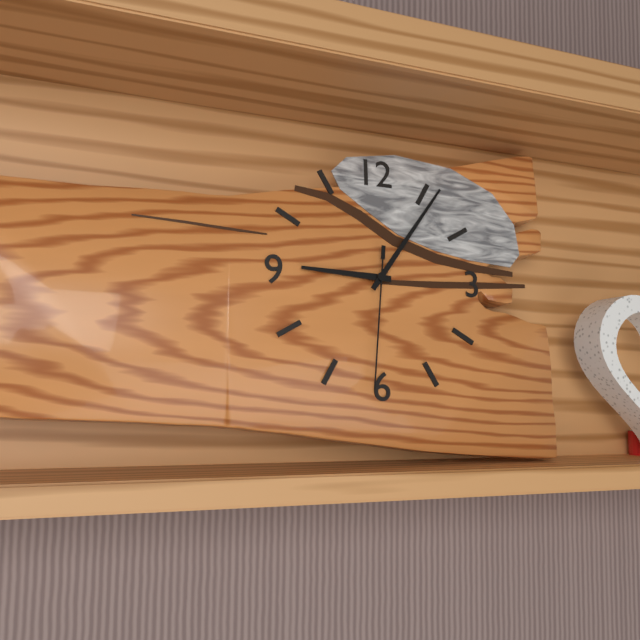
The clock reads 9h06m31s
